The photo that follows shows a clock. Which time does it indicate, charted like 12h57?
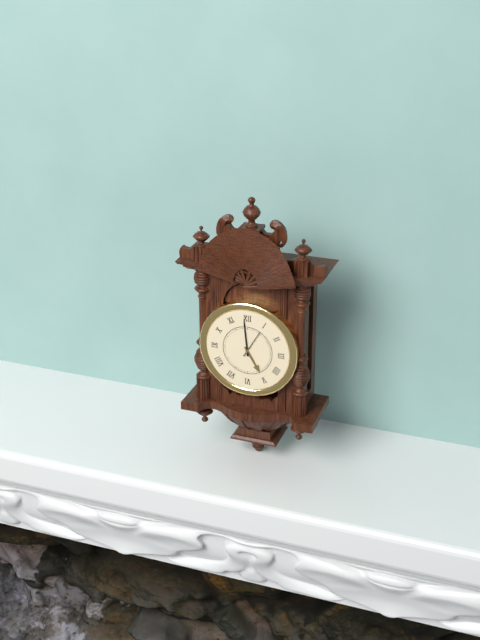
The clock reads 4h59
